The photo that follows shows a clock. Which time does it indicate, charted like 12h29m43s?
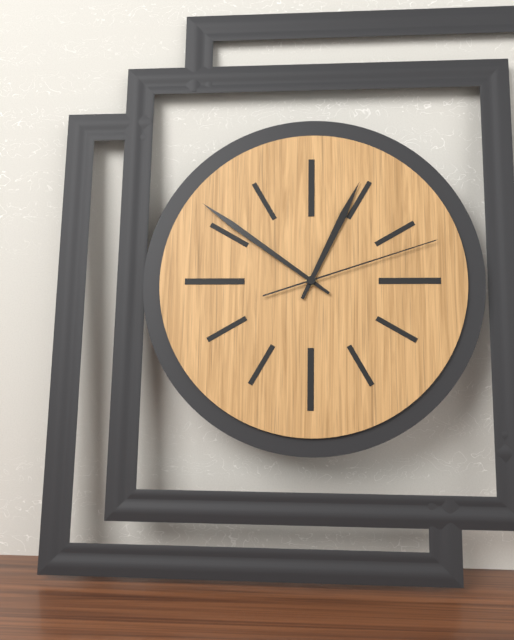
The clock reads 12h51m12s
